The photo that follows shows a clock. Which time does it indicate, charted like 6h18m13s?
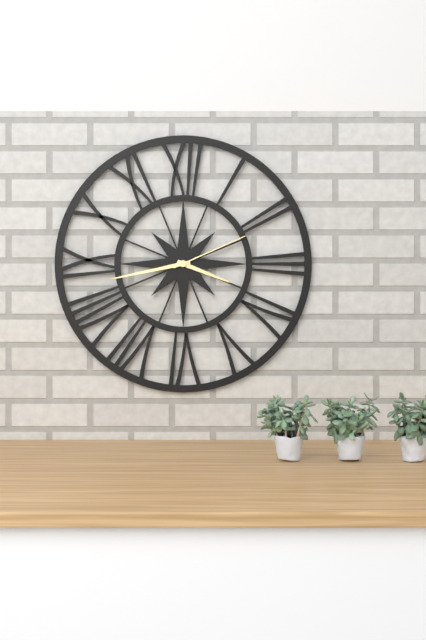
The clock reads 3h43m11s
